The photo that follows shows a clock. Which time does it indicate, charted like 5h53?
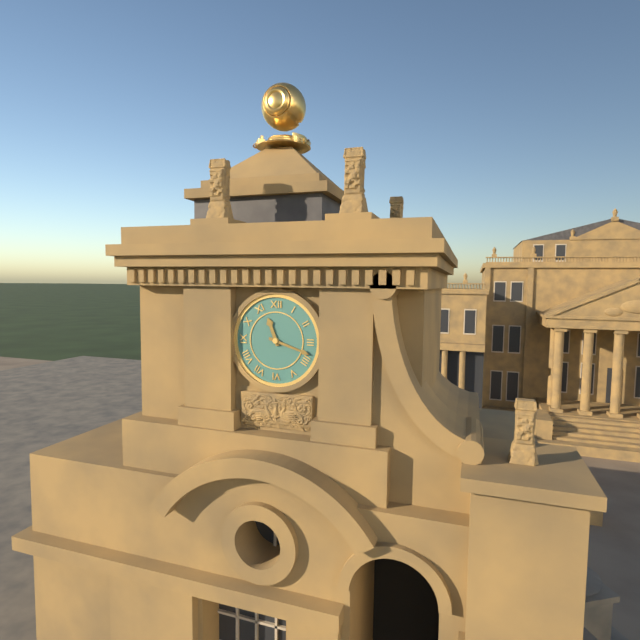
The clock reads 11h18
